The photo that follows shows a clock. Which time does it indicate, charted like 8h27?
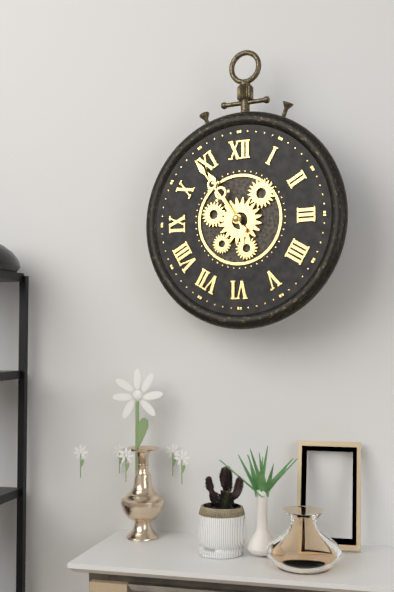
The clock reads 10h54
